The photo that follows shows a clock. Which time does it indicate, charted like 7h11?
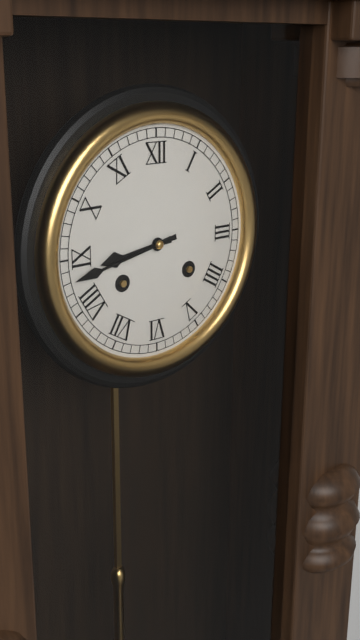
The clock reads 8h43
